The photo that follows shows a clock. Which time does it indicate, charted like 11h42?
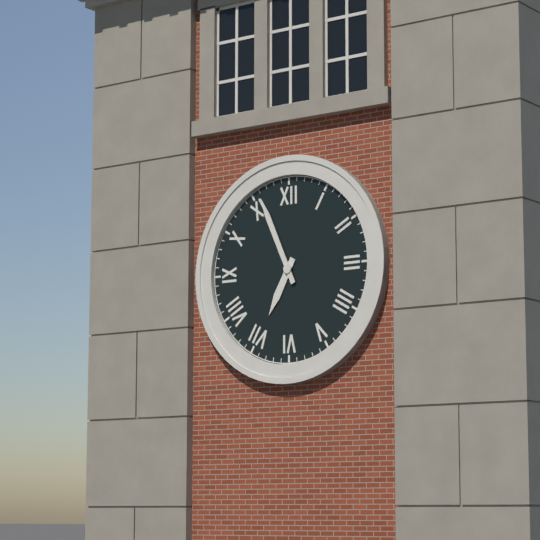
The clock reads 6h56
